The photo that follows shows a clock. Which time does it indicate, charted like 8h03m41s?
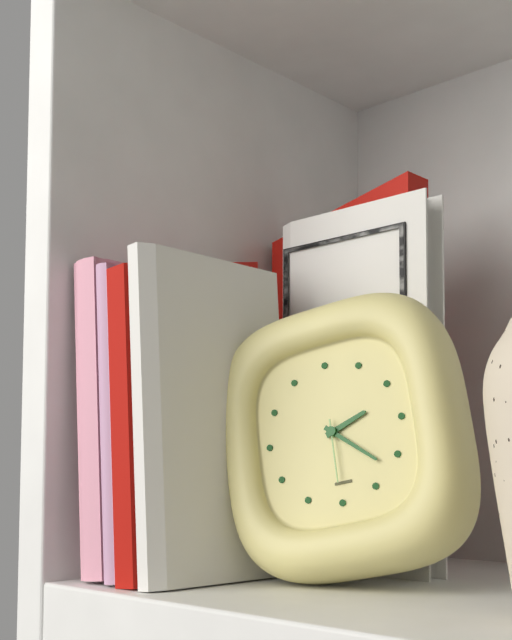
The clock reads 2h22m30s
